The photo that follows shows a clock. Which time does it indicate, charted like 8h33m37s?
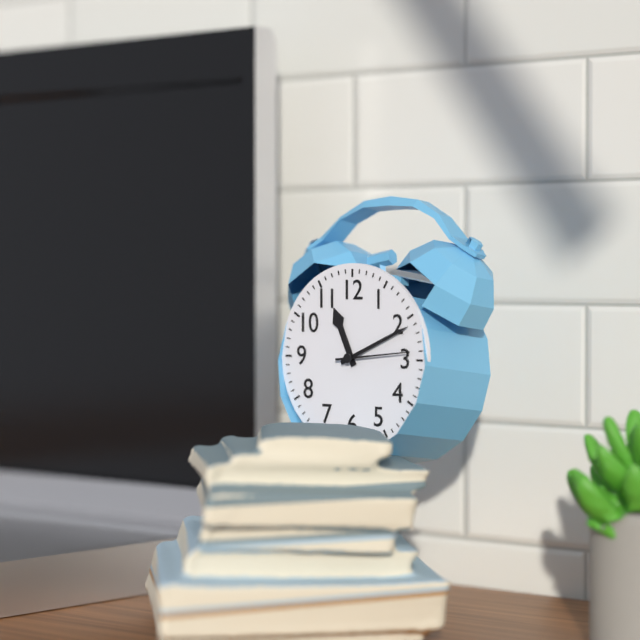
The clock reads 11h11m14s
